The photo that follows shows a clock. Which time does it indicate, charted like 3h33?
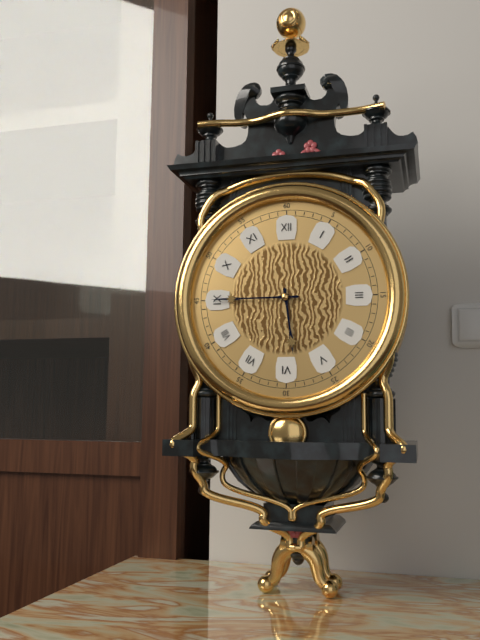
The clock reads 5h45
